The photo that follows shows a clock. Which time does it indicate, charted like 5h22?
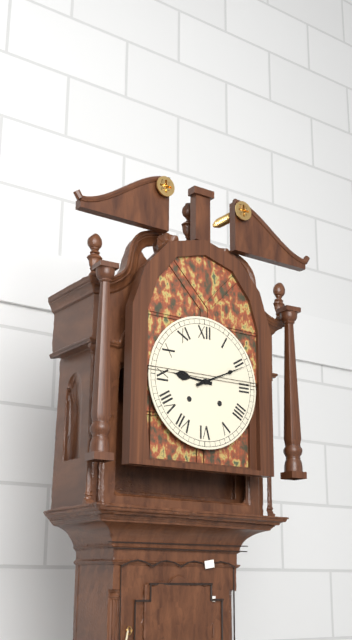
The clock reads 9h11
